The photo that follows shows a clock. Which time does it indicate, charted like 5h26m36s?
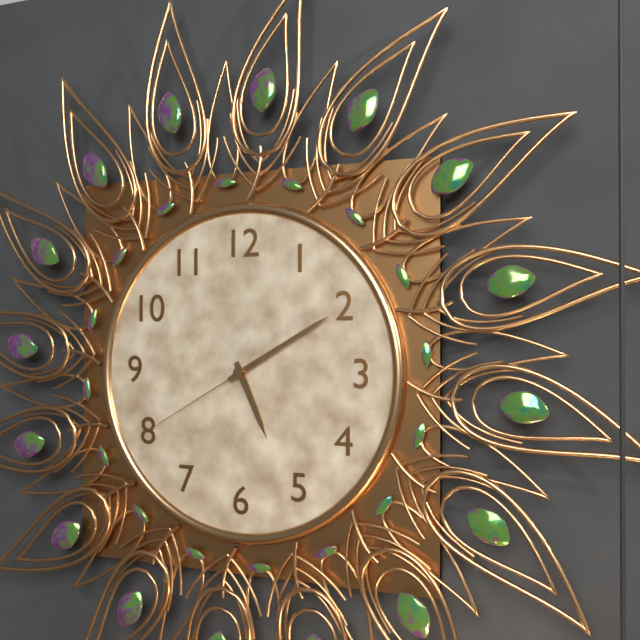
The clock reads 5h10m40s
